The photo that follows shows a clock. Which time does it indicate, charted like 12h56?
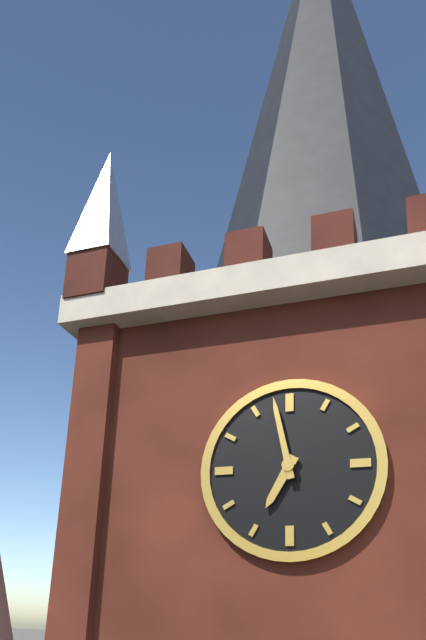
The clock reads 6h58
